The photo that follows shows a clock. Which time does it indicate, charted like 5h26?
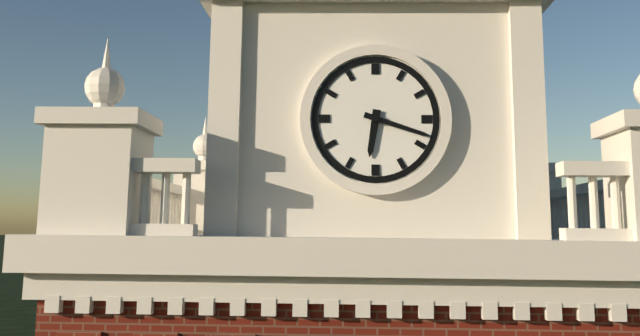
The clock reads 6h18
